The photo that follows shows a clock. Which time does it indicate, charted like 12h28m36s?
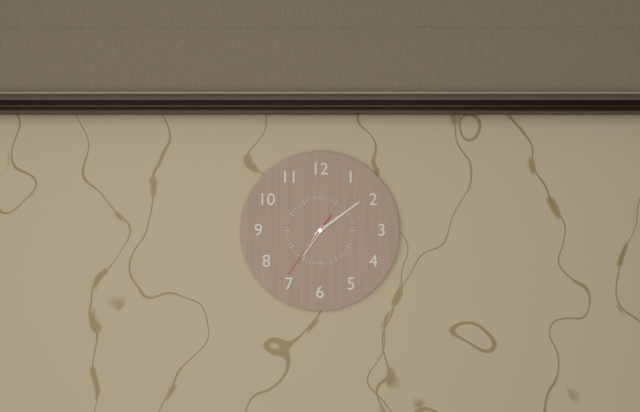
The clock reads 7h09m36s
